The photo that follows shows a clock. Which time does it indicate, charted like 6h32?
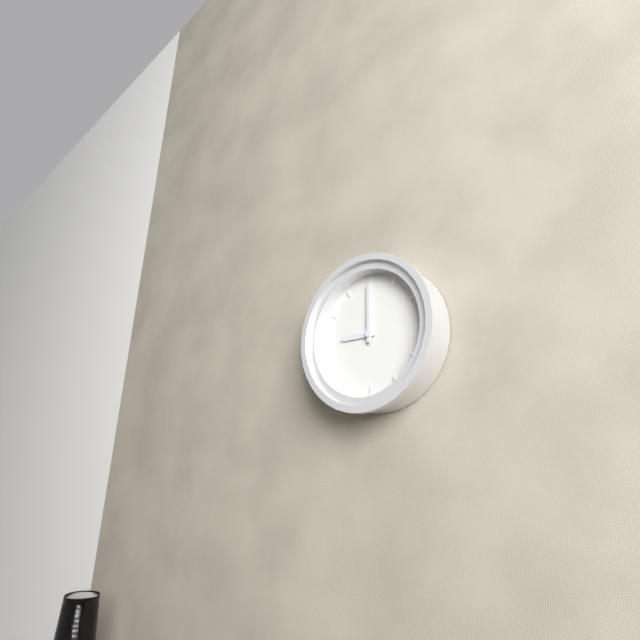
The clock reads 9h00
